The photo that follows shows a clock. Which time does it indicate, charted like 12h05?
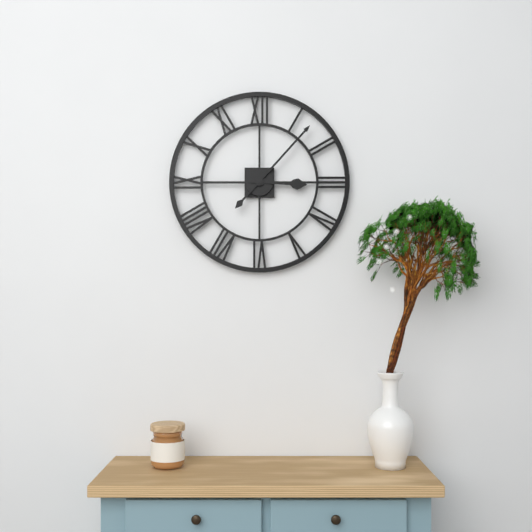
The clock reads 3h07
